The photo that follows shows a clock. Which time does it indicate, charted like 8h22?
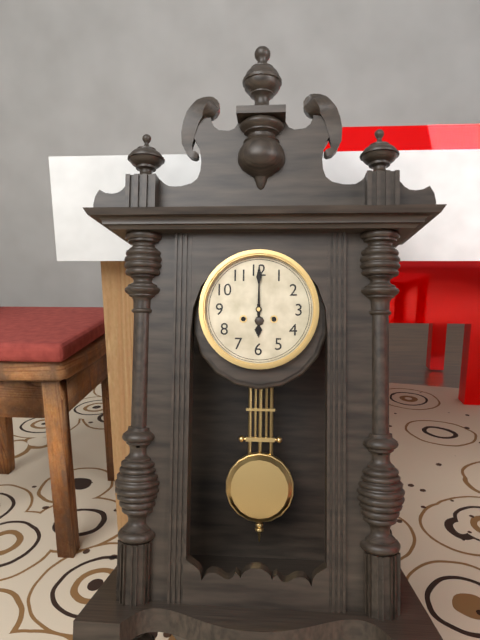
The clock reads 6h00
